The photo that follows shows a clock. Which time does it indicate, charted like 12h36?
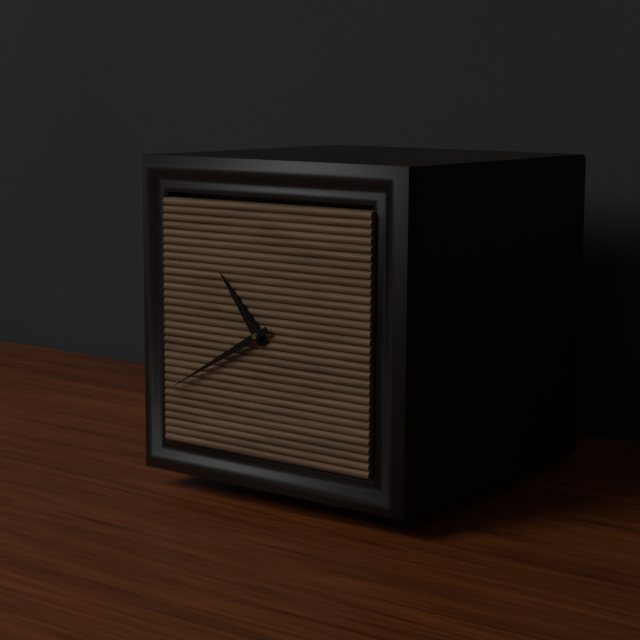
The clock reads 10h40
